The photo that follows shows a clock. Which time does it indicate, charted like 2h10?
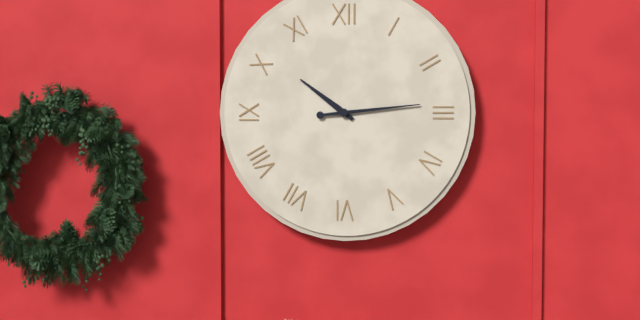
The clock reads 10h14
